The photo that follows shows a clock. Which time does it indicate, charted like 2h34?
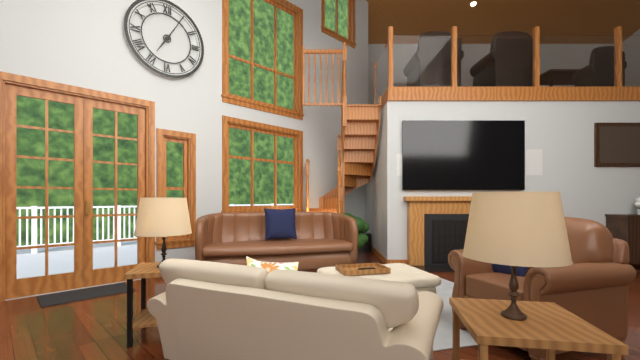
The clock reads 7h05
